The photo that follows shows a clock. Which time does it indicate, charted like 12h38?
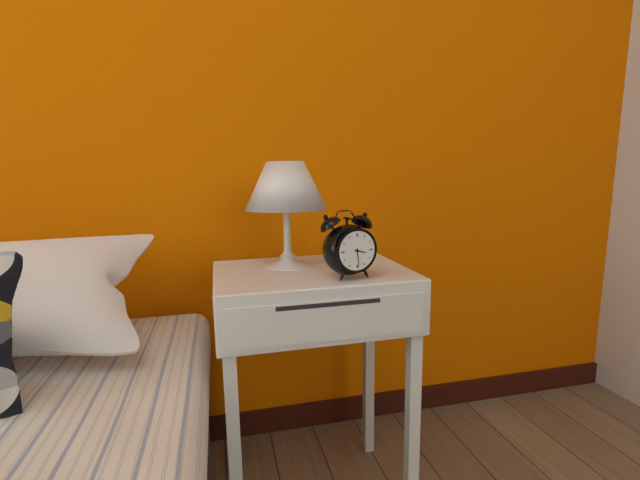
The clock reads 3h29
